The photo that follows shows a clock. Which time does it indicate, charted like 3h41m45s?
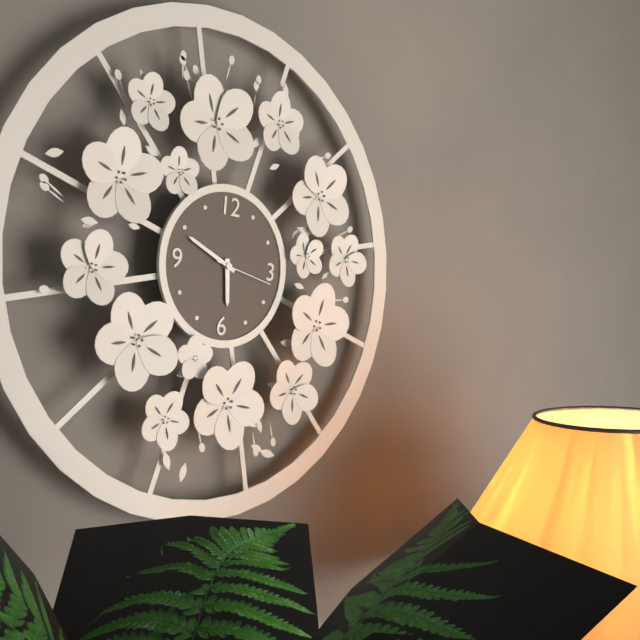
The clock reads 5h49m17s
